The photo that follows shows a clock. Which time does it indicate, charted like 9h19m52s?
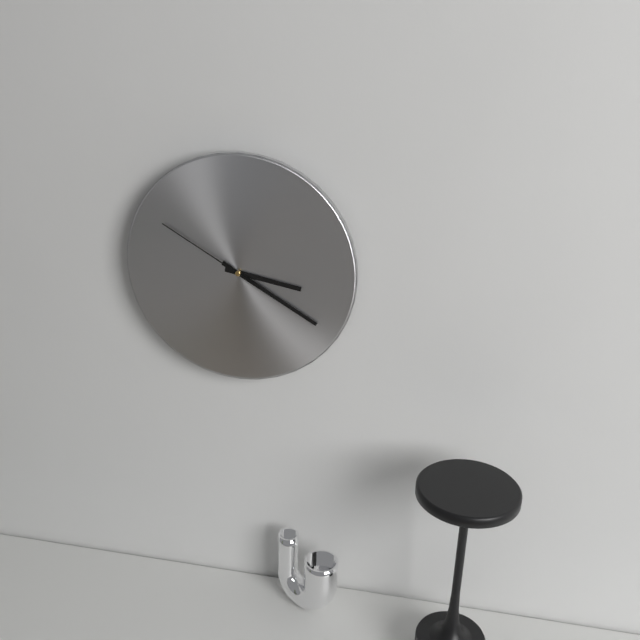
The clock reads 3h20m50s
